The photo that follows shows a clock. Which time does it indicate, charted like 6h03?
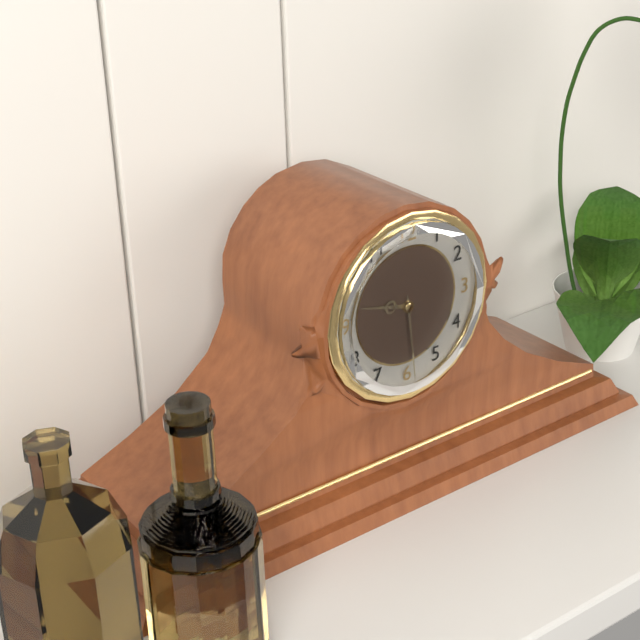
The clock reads 9h29
